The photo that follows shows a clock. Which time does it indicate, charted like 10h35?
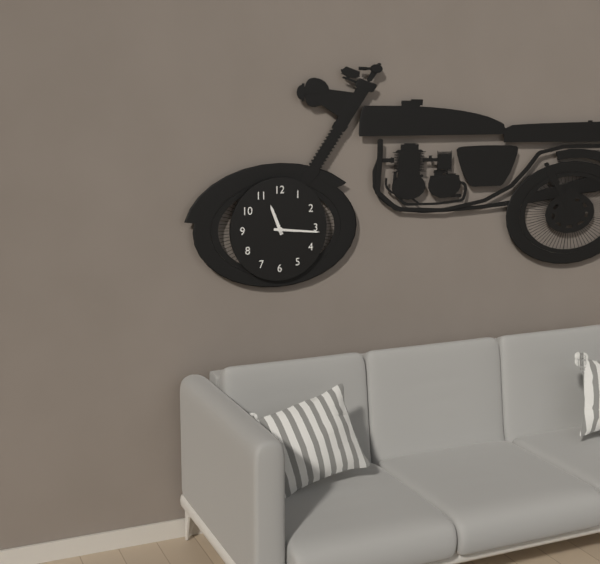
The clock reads 11h16
